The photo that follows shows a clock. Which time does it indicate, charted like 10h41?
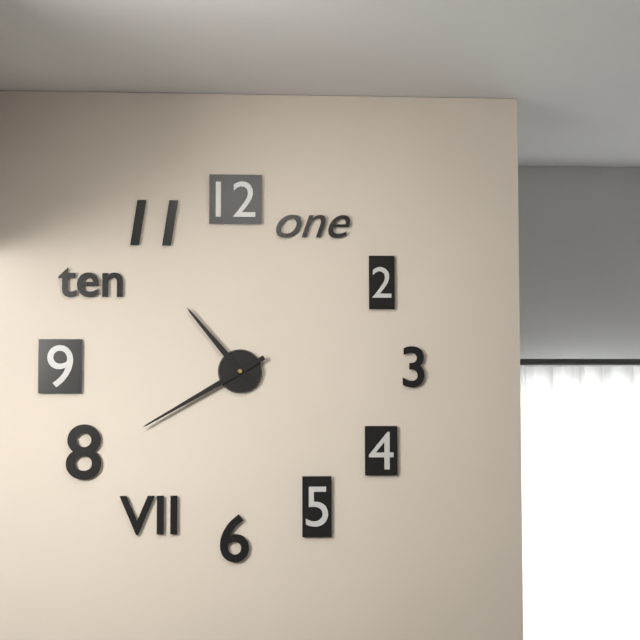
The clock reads 10h40
